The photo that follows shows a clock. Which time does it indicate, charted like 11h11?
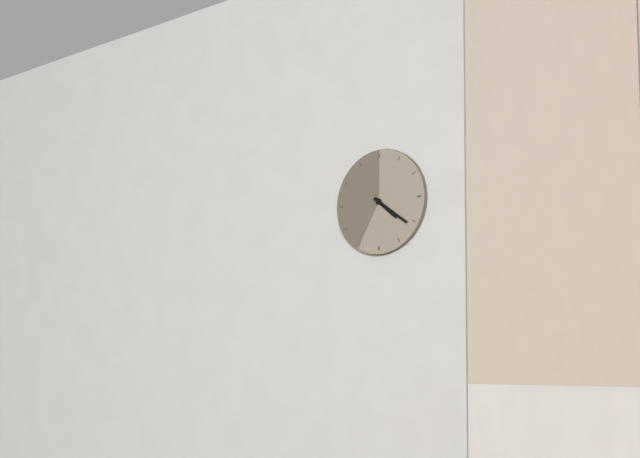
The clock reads 4h21
